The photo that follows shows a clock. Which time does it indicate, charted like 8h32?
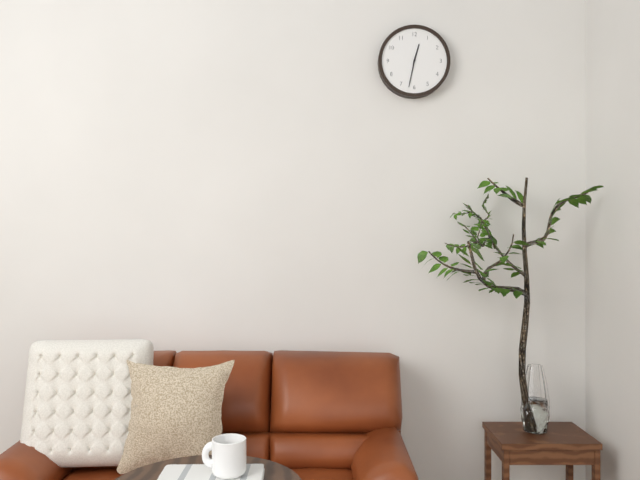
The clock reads 12h32
